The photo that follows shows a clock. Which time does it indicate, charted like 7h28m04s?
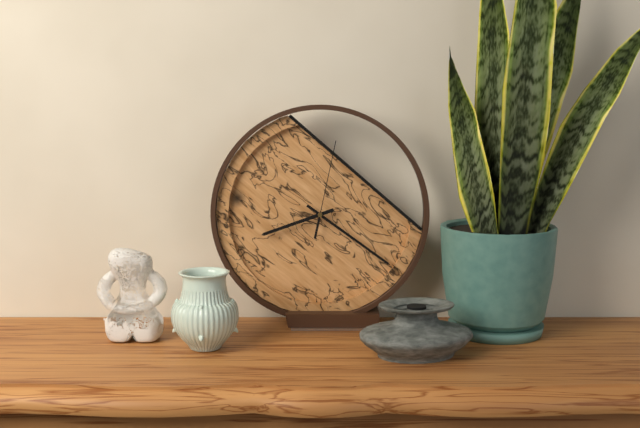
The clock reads 8h21m02s
